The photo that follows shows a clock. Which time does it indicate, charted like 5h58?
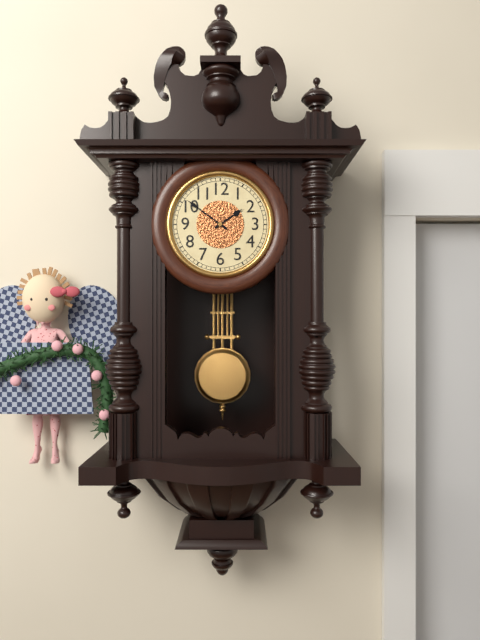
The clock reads 1h51
